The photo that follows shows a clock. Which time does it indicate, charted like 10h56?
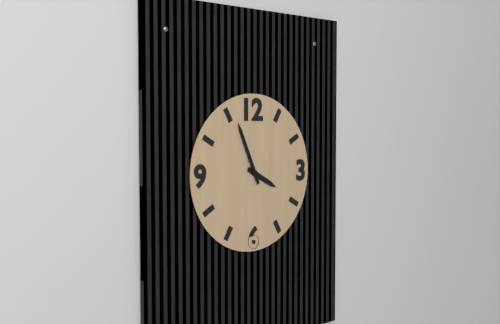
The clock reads 3h56
